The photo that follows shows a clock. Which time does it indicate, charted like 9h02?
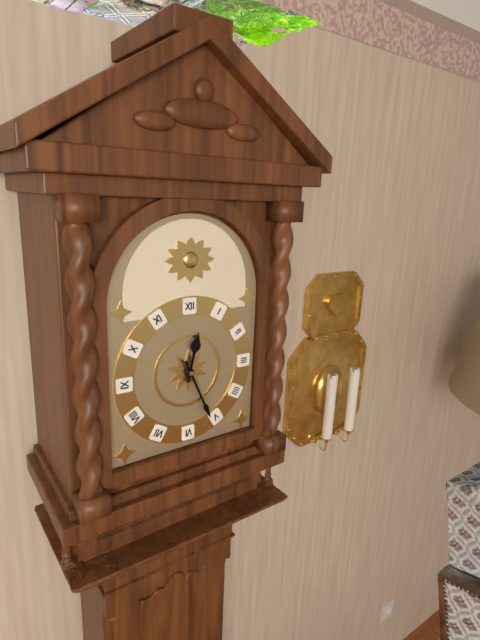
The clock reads 12h26
